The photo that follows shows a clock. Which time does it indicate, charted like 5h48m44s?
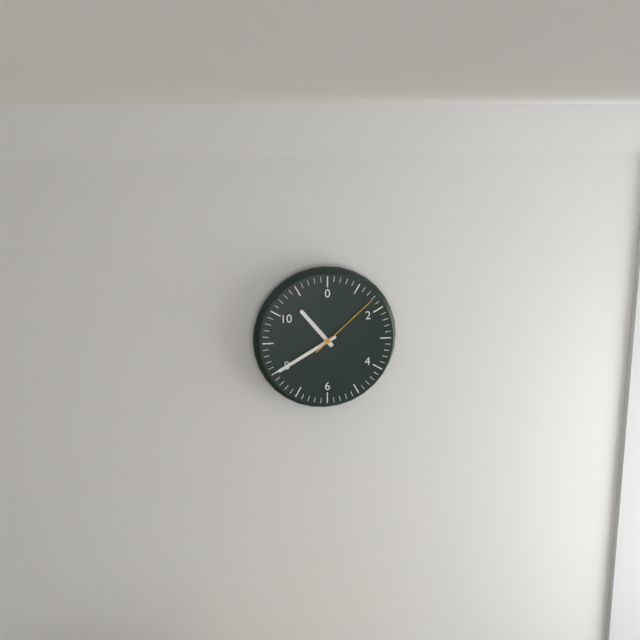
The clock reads 10h40m08s
